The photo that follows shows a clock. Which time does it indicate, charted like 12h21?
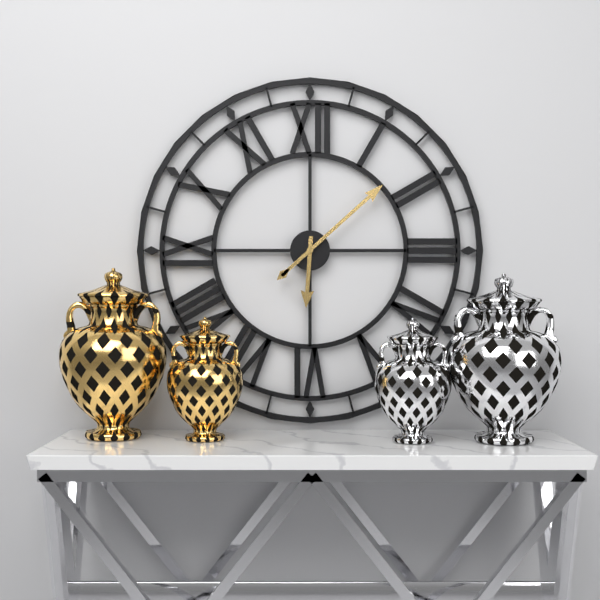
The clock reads 6h08
